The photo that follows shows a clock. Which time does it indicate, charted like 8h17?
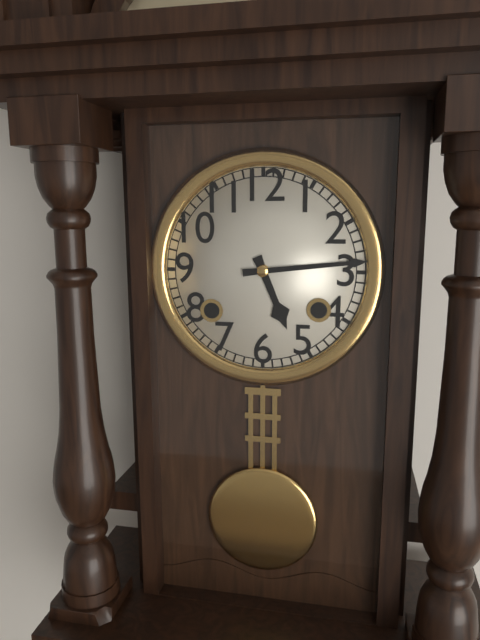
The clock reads 5h14
